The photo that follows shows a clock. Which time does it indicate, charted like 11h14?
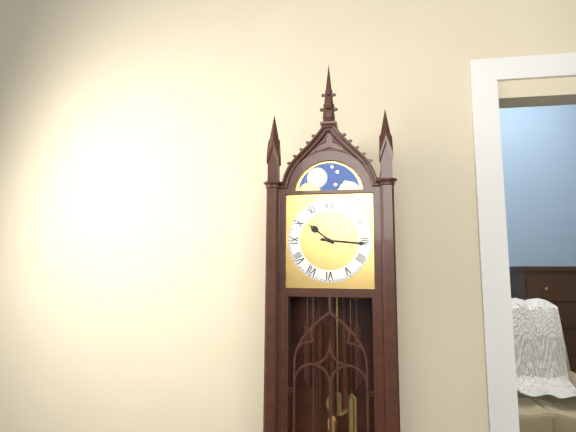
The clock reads 10h16
